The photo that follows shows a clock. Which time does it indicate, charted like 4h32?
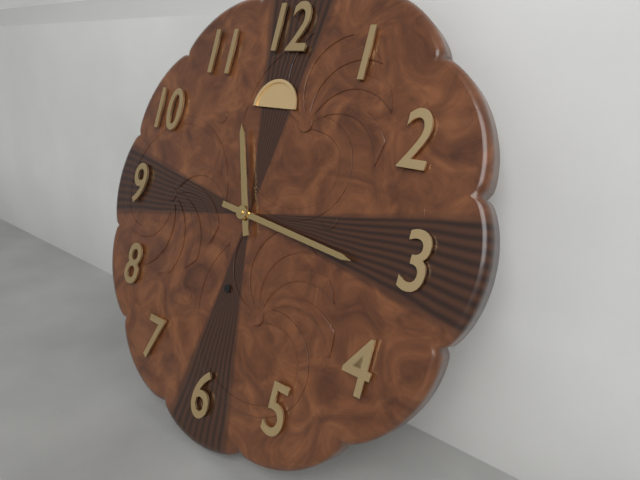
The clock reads 11h16
